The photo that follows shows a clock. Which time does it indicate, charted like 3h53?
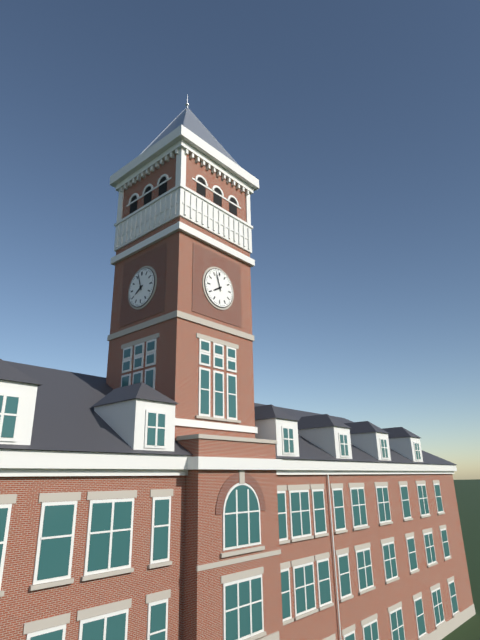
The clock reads 7h57
